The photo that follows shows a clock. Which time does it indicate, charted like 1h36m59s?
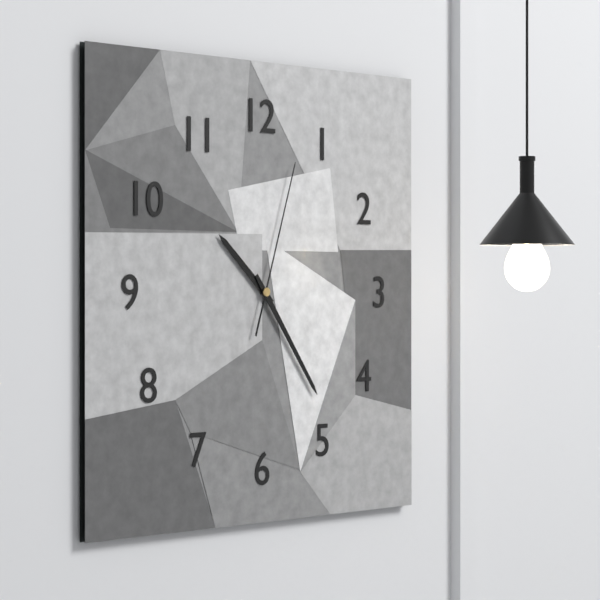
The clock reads 10h24m03s
